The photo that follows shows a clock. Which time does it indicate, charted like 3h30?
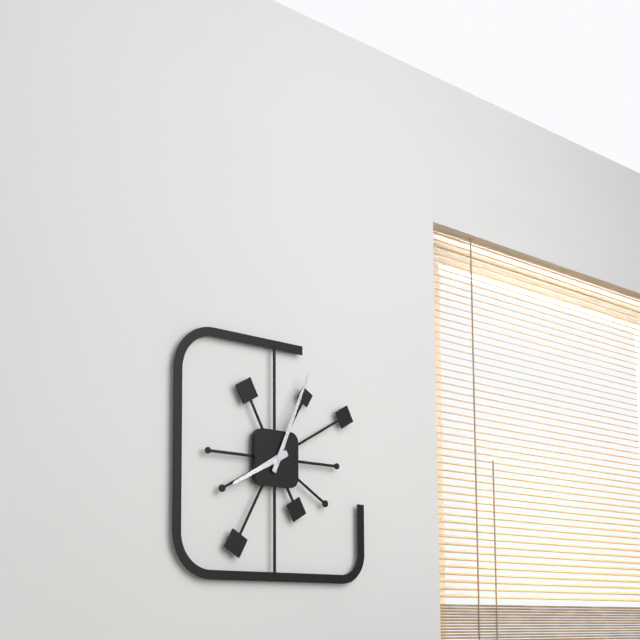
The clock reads 8h04
